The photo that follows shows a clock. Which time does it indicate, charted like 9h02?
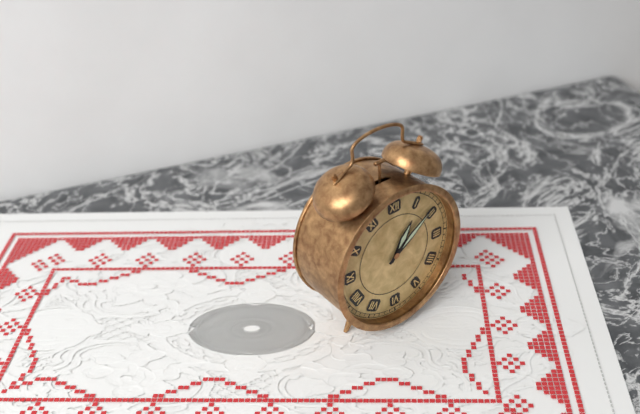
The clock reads 1h09
